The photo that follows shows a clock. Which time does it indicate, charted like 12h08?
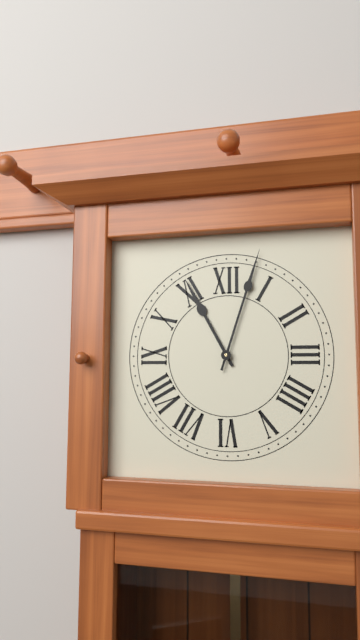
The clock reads 11h03
